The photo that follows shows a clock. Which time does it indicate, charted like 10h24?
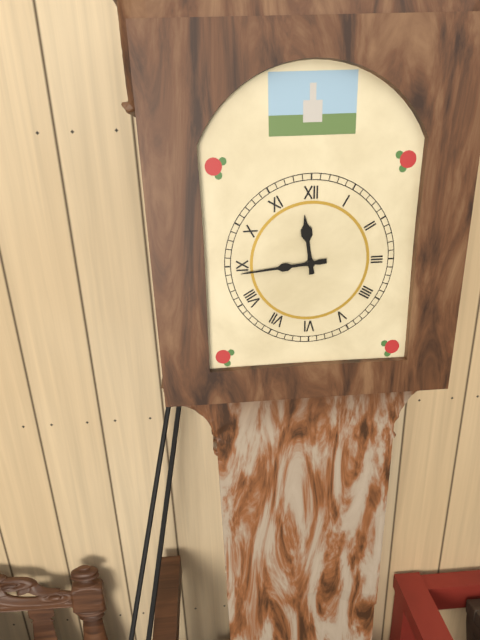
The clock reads 11h44
